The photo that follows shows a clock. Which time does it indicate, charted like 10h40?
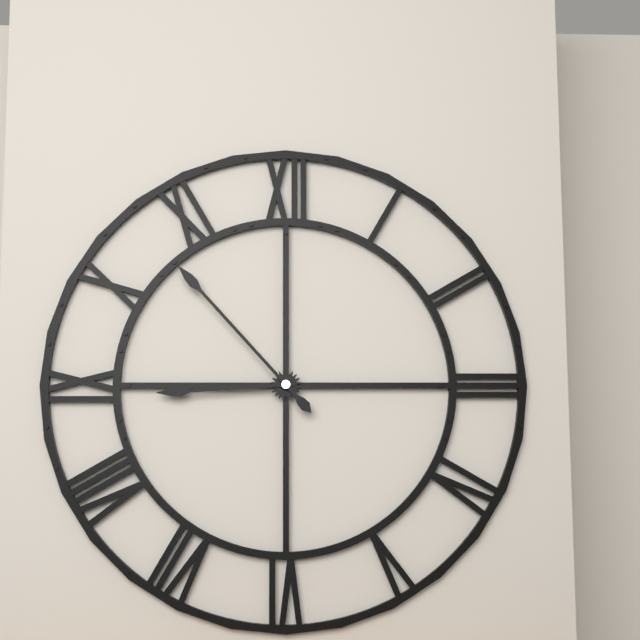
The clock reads 8h53
